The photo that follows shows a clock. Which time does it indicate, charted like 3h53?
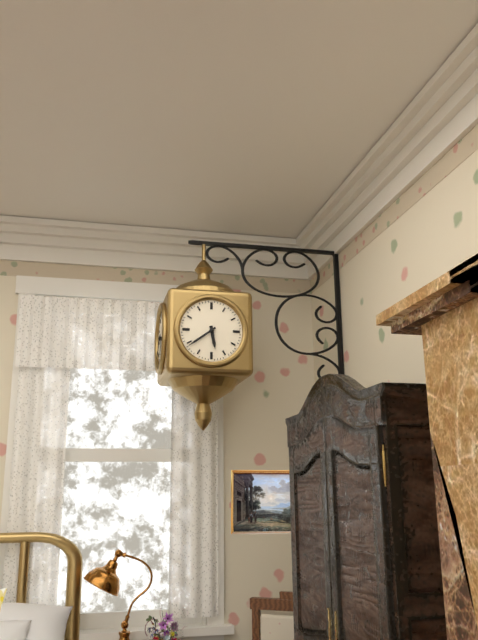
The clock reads 5h39
